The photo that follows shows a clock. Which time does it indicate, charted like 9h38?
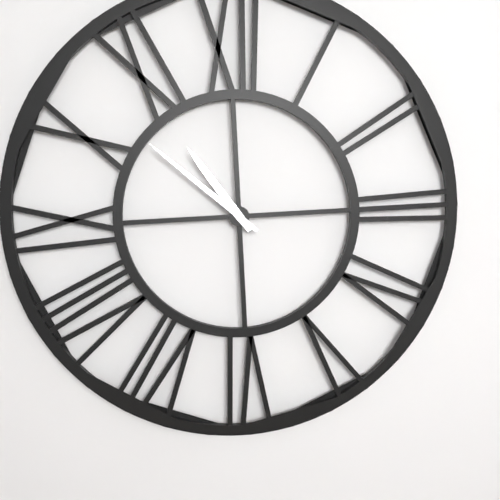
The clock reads 10h52
